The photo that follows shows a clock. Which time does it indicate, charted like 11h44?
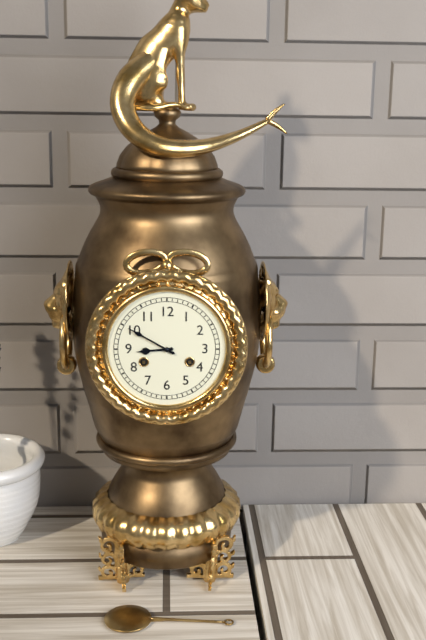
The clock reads 8h50
